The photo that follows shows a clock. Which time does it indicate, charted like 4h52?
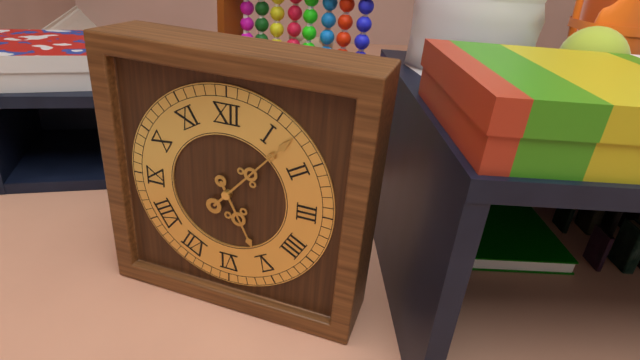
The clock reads 5h07
